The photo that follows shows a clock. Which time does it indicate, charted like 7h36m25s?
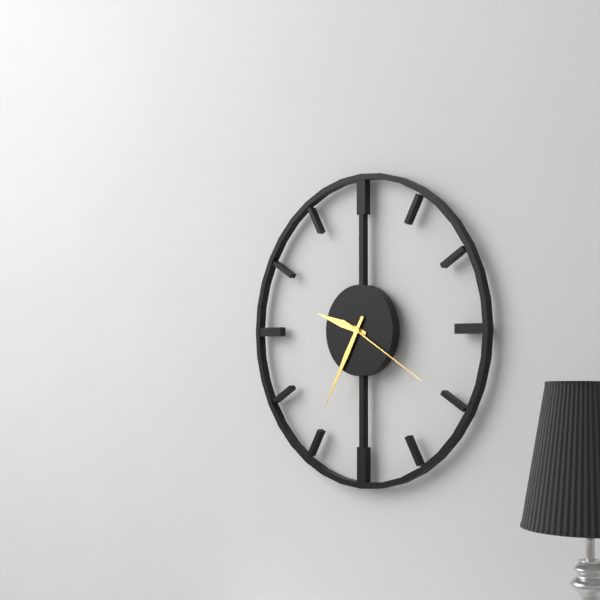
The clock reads 9h35m20s
